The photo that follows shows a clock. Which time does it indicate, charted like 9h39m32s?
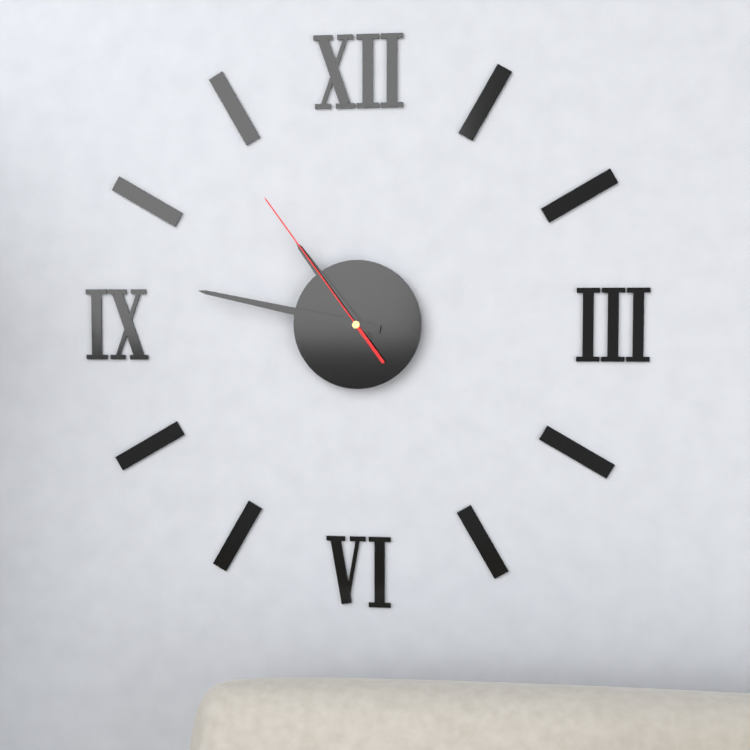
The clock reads 10h47m54s
